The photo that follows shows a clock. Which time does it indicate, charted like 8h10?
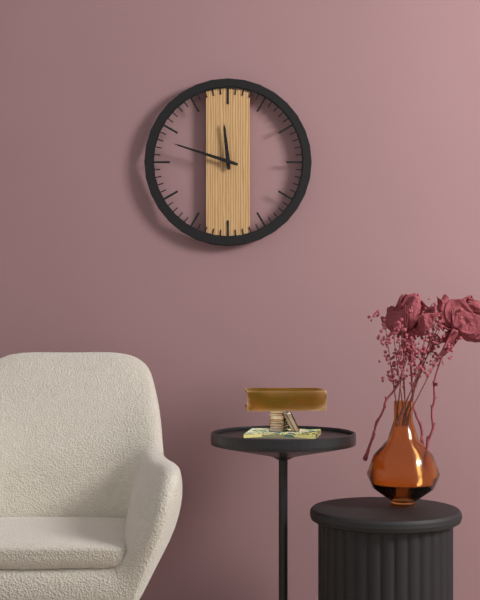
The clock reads 11h48
